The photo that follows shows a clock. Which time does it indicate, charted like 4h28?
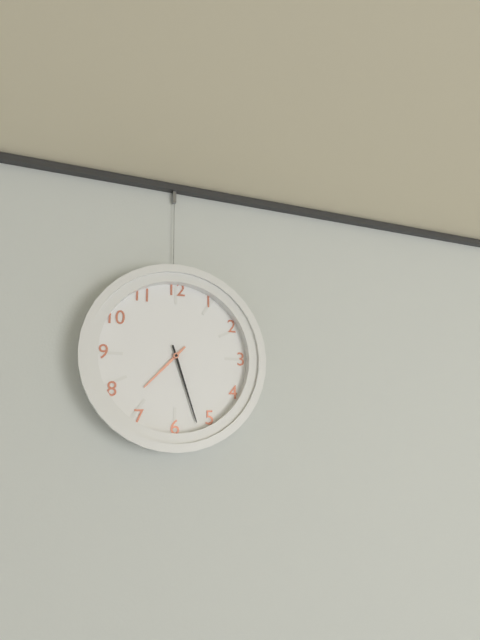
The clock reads 7h27
